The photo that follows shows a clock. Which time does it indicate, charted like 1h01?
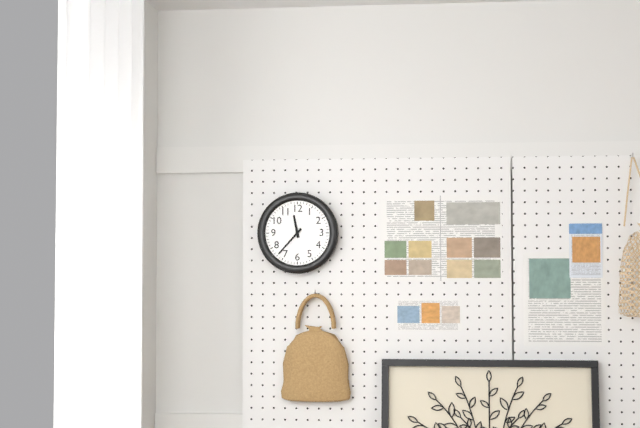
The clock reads 11h37
